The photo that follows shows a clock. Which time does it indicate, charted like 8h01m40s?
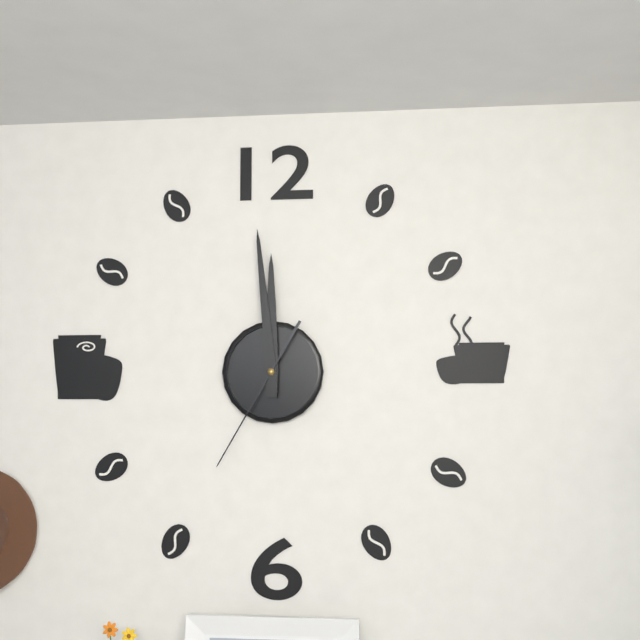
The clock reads 11h59m35s
